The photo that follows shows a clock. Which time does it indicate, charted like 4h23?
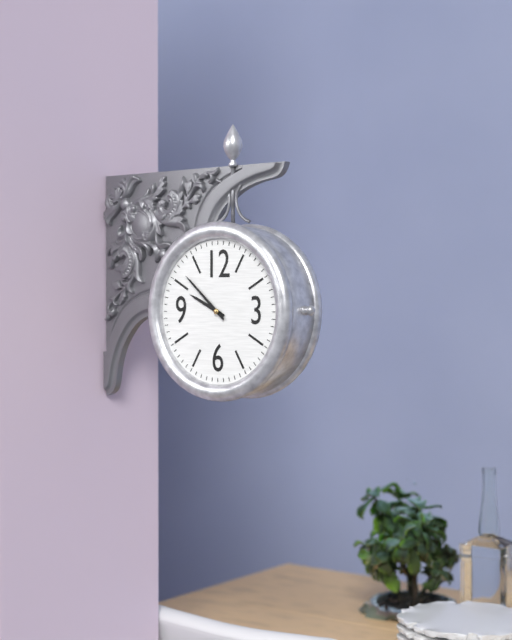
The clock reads 9h52
